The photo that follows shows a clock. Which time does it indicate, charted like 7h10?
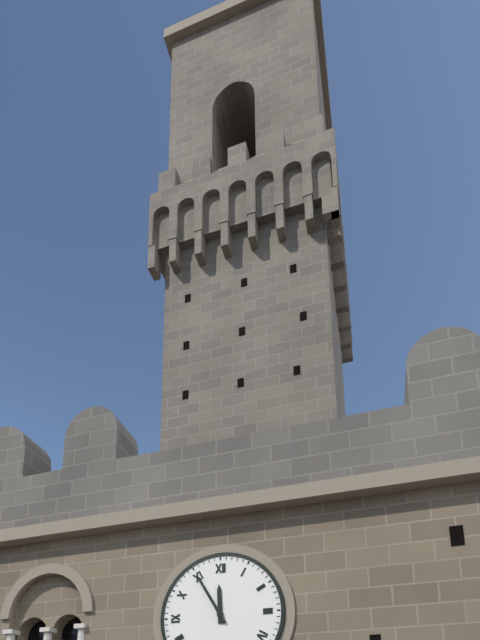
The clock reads 11h55
